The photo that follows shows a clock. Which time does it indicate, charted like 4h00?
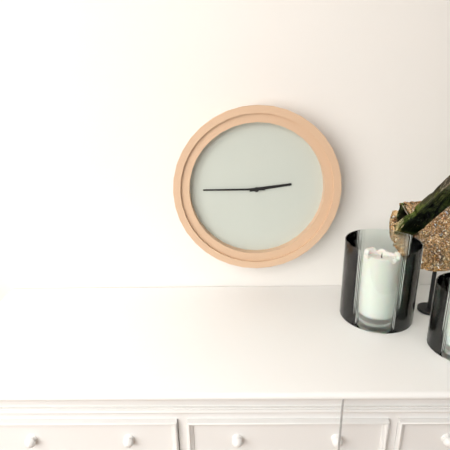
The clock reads 2h45
